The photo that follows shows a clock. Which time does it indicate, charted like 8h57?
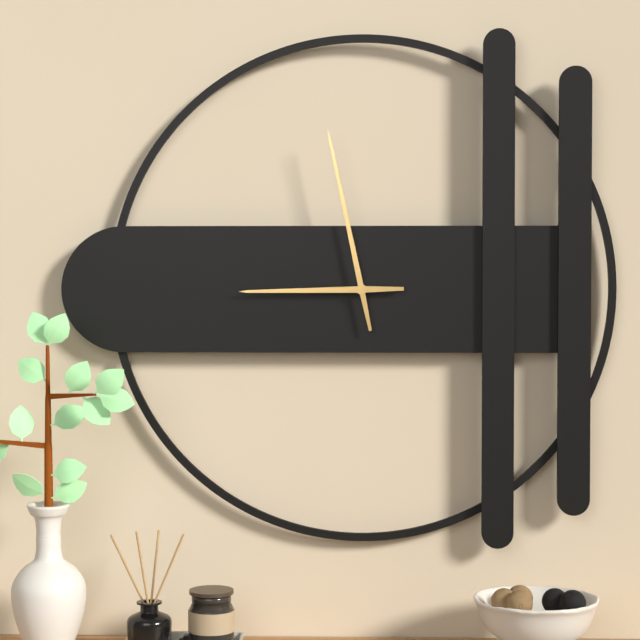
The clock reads 8h58
